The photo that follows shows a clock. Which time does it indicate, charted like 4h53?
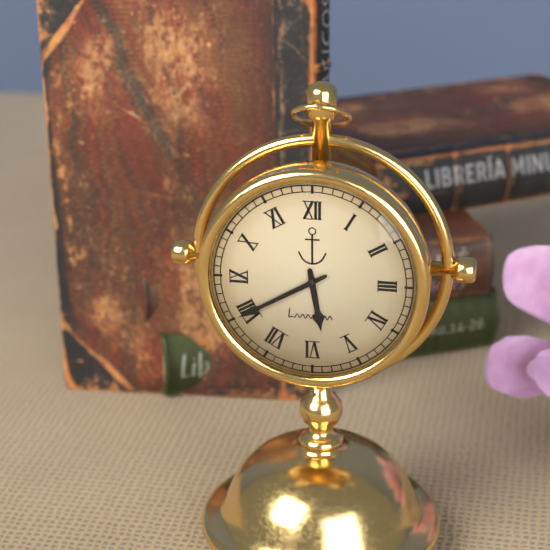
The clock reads 5h40
